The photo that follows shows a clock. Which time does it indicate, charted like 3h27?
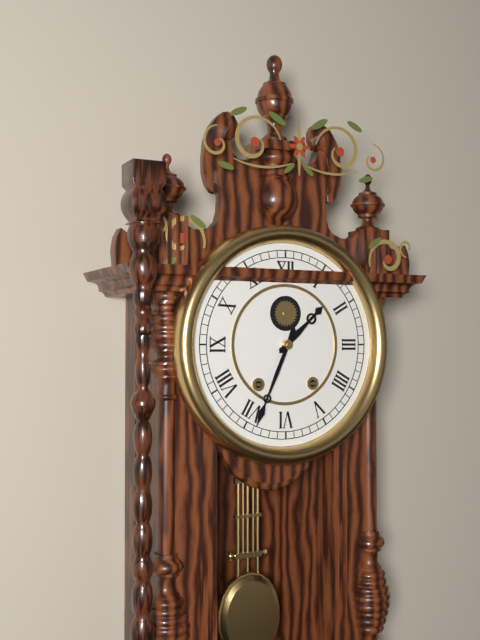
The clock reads 1h34
